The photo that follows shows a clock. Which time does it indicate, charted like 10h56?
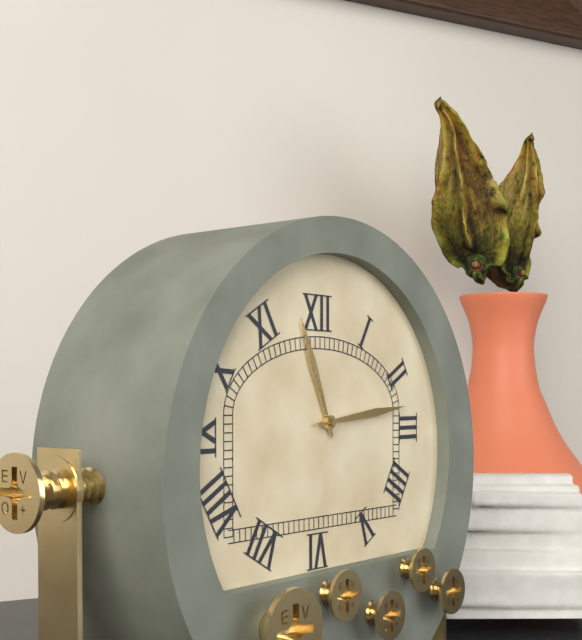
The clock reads 11h14
